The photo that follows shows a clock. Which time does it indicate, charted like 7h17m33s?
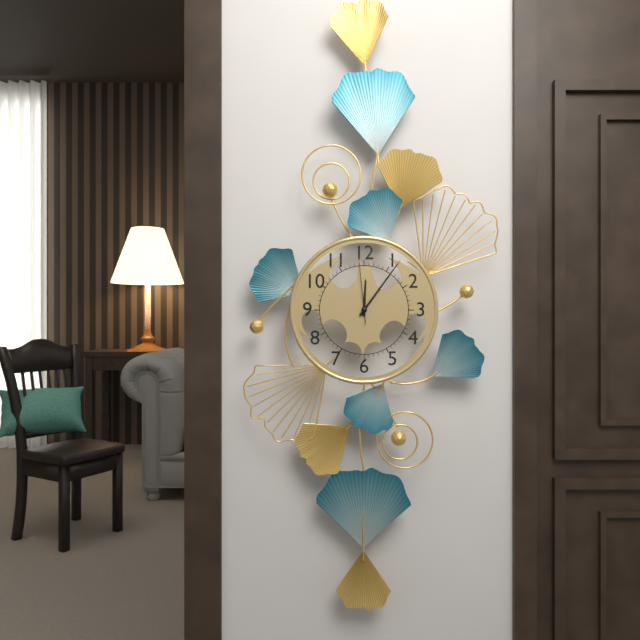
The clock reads 12h06m59s
